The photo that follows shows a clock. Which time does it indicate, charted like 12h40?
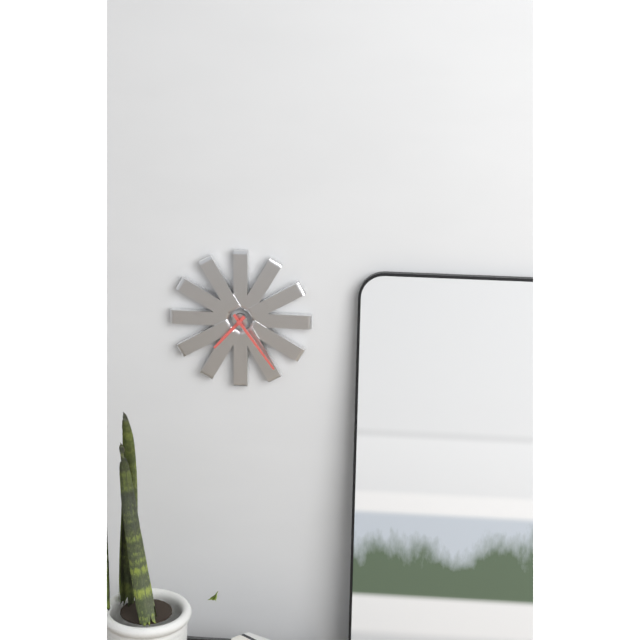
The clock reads 7h24
